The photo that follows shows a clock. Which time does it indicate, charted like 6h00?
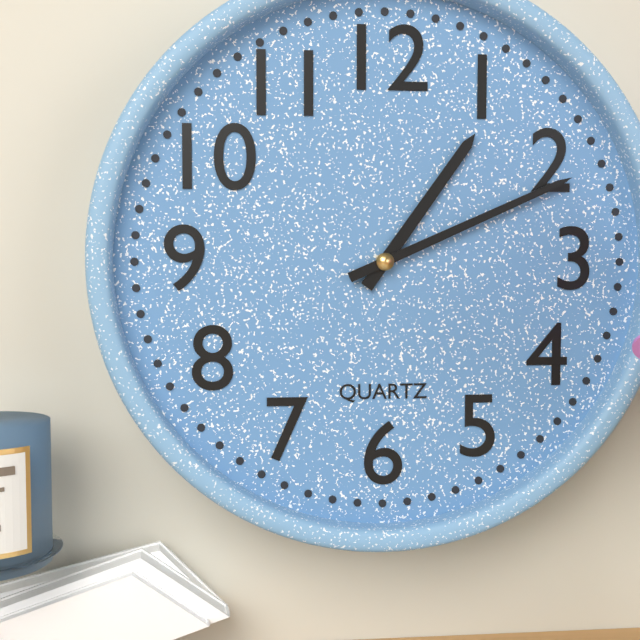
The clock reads 1h11
